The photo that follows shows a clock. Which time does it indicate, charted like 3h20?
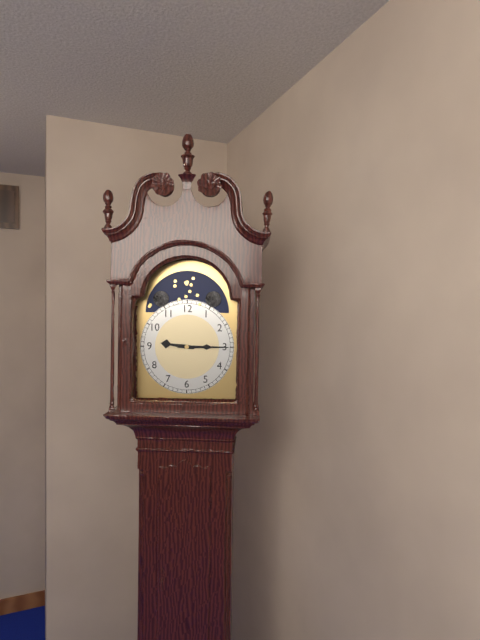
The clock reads 9h15
